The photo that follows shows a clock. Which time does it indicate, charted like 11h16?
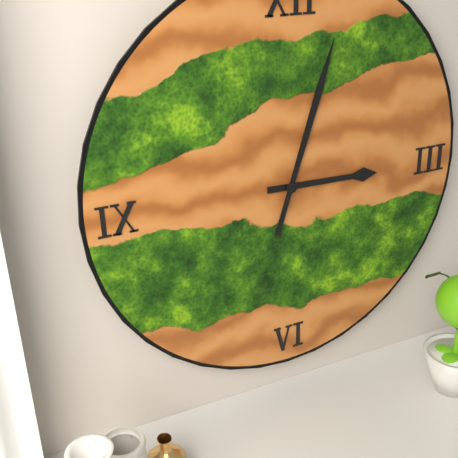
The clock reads 3h03
